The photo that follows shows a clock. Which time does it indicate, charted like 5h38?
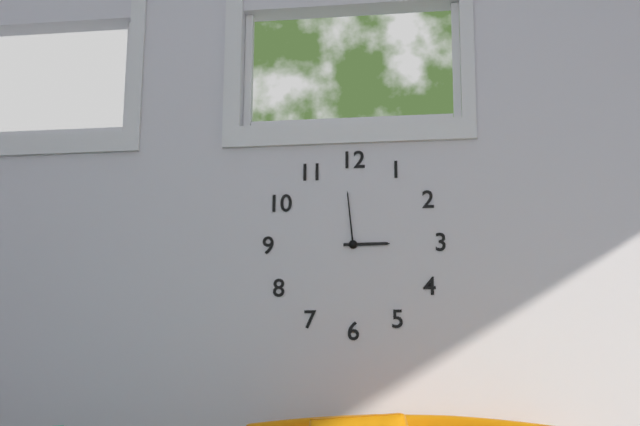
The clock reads 2h59
